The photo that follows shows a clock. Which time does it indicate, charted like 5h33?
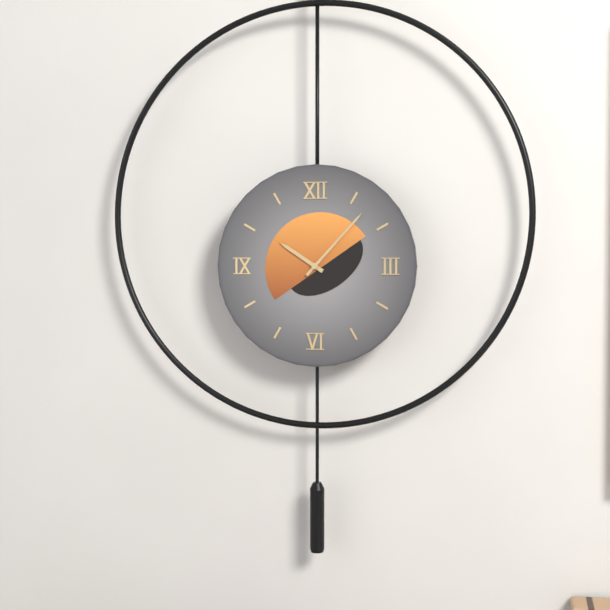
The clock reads 10h07
